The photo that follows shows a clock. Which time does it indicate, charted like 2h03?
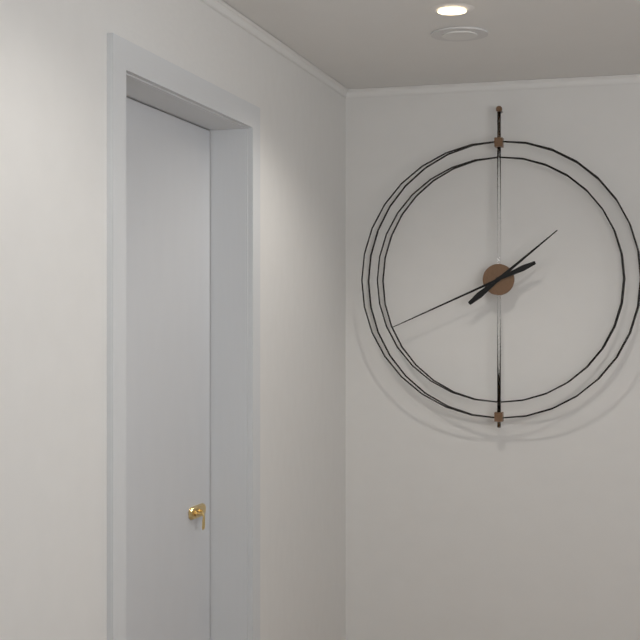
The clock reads 1h41
